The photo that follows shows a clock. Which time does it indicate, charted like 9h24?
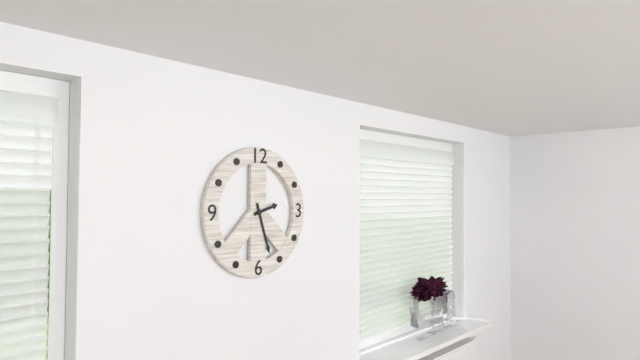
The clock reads 2h27
